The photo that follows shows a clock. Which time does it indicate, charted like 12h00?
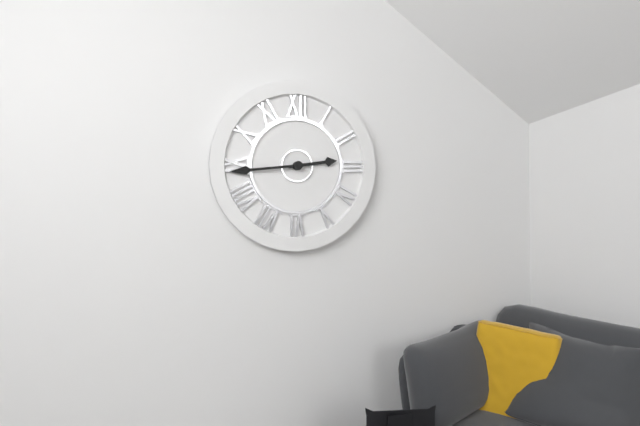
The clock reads 2h44
